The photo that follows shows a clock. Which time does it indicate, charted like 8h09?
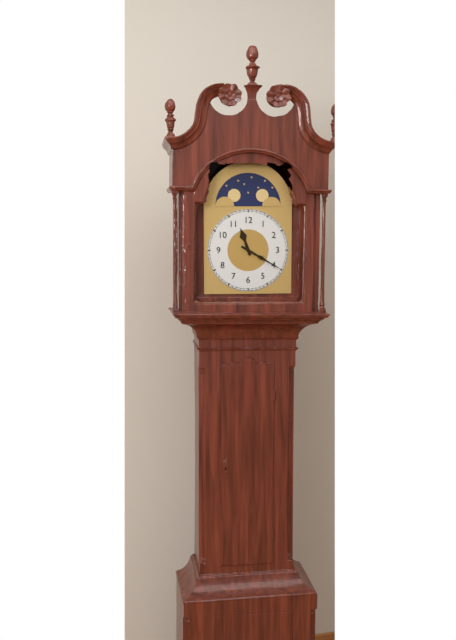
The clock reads 11h20
